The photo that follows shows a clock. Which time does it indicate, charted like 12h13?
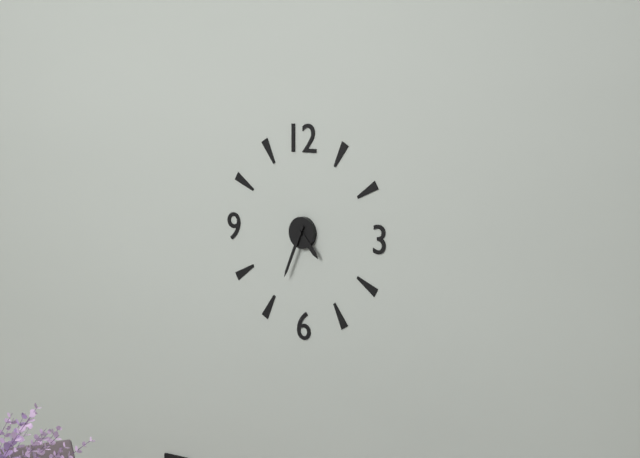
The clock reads 4h34
